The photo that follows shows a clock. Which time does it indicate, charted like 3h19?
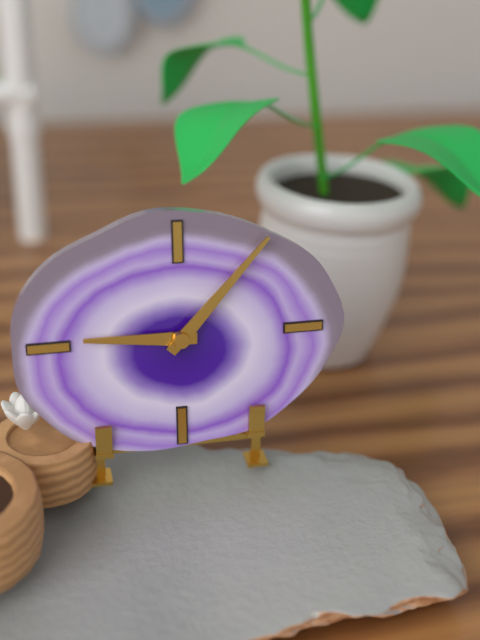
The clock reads 9h07
